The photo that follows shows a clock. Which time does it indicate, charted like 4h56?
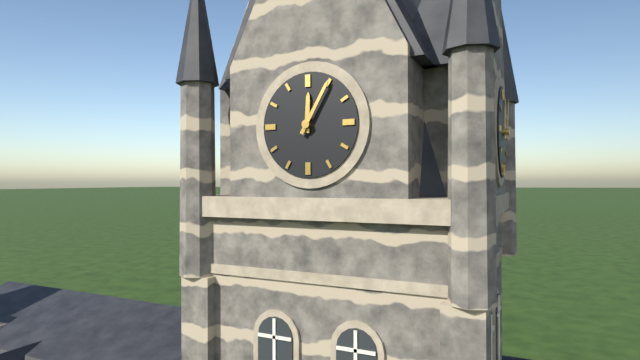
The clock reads 12h05
